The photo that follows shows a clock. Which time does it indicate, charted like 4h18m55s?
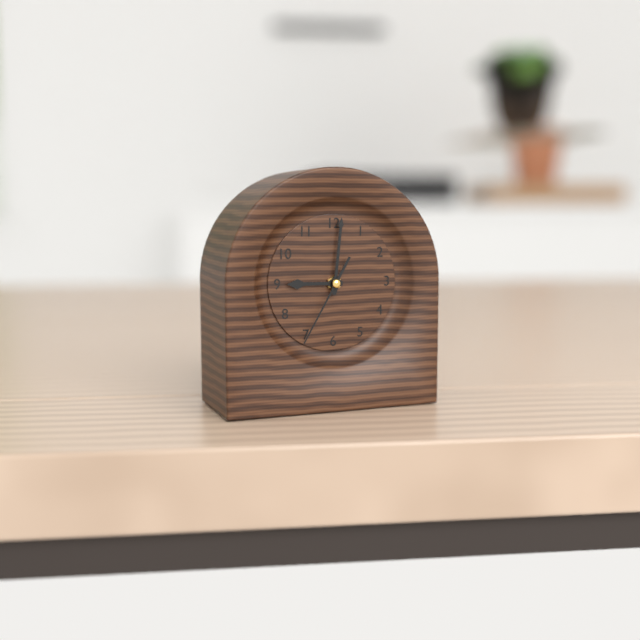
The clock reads 9h01m35s
